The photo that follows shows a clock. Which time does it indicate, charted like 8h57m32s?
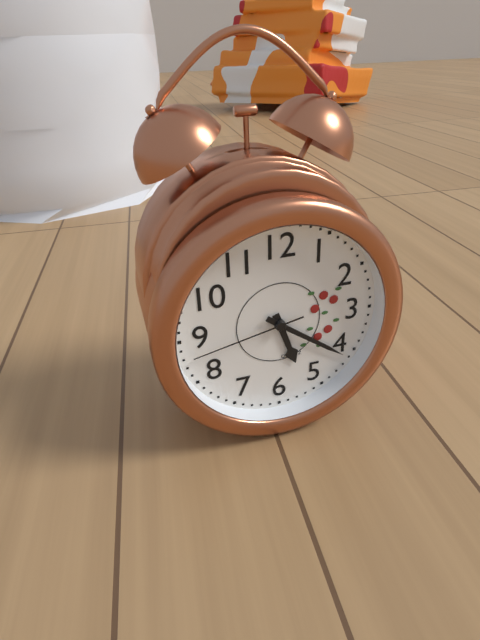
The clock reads 5h21m43s
